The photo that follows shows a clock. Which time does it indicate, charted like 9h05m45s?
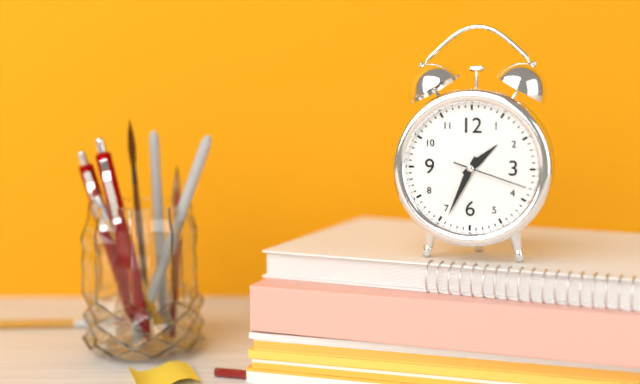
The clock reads 1h34m18s
